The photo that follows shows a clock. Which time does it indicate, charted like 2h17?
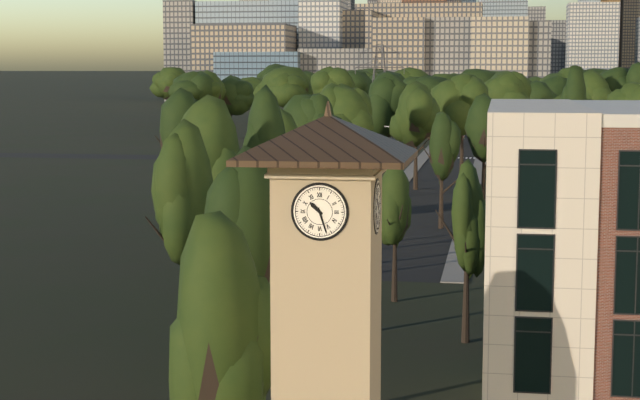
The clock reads 10h27
